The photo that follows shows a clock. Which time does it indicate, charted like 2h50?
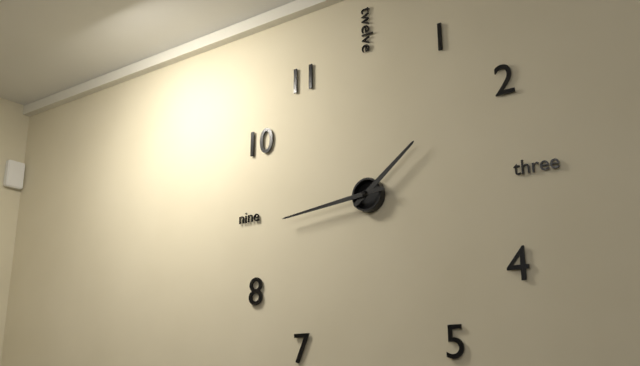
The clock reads 1h44
